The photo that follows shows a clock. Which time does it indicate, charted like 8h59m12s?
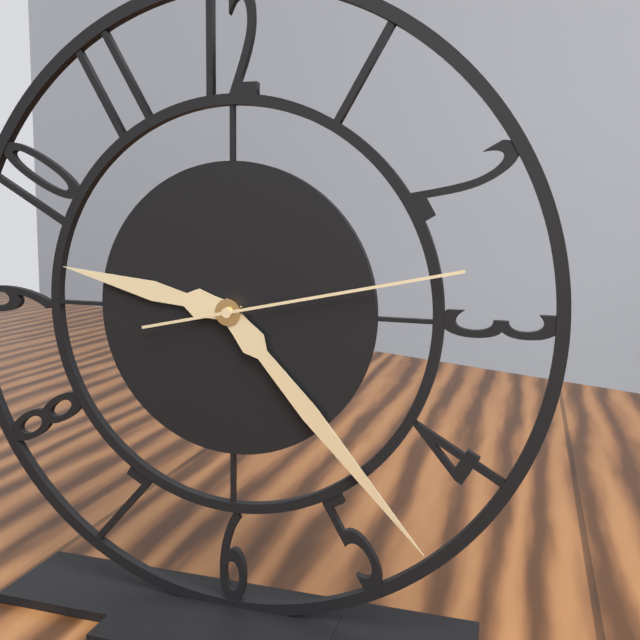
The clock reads 9h23m13s
